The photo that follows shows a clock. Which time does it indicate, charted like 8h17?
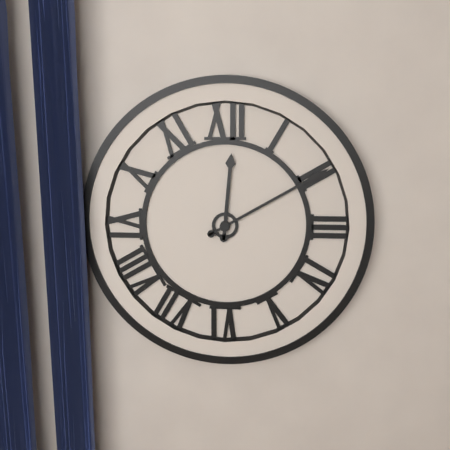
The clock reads 12h10
